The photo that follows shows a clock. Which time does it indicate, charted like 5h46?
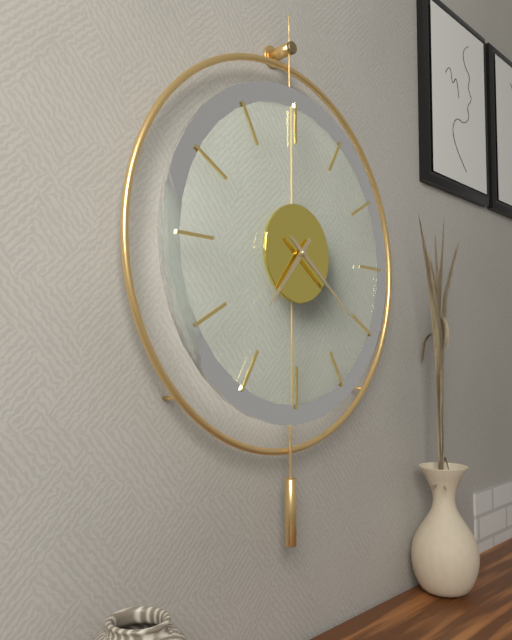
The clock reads 7h21
